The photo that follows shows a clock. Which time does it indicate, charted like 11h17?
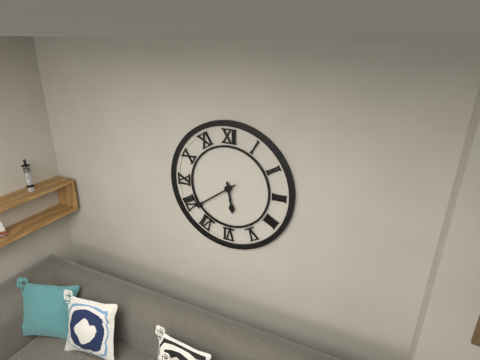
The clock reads 5h39
